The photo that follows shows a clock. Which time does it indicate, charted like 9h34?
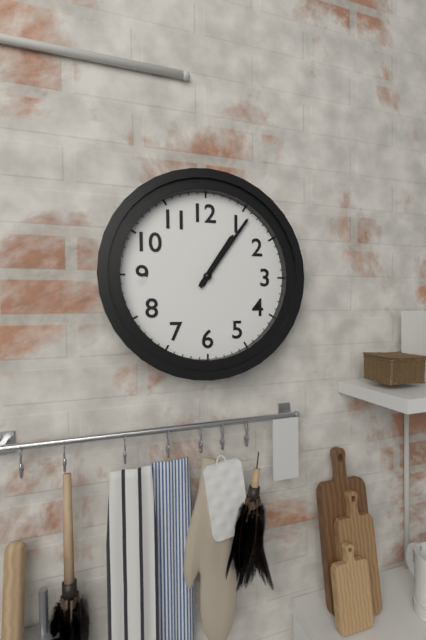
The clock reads 1h06
